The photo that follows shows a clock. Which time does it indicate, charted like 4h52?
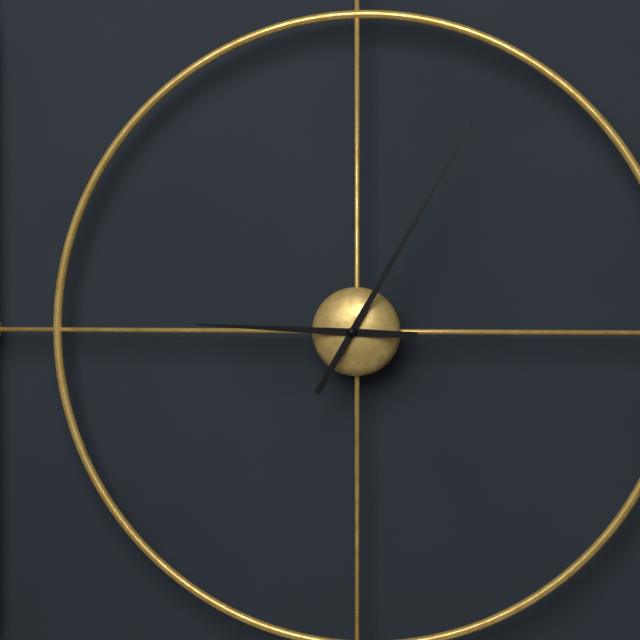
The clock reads 9h05
